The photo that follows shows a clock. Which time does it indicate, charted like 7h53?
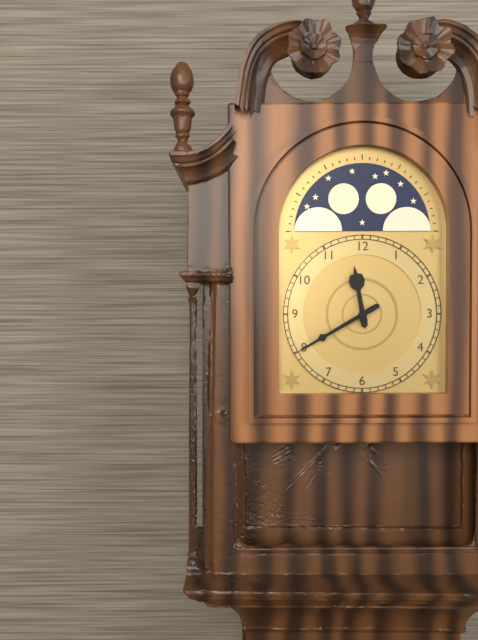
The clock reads 11h40
